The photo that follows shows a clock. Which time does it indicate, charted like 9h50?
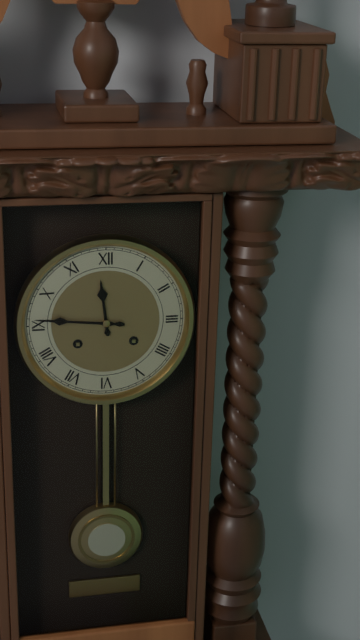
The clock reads 11h46
